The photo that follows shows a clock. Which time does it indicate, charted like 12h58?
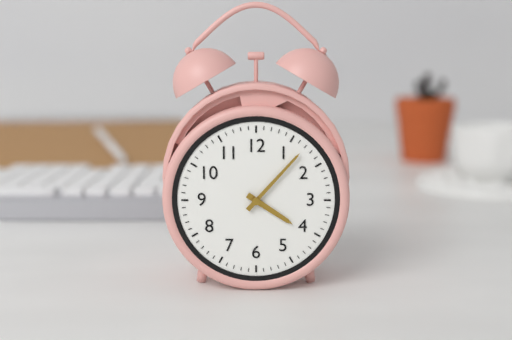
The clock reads 4h07
